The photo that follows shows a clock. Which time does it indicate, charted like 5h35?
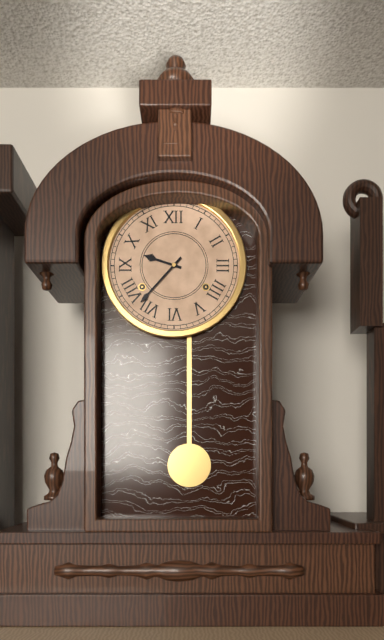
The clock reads 9h37
